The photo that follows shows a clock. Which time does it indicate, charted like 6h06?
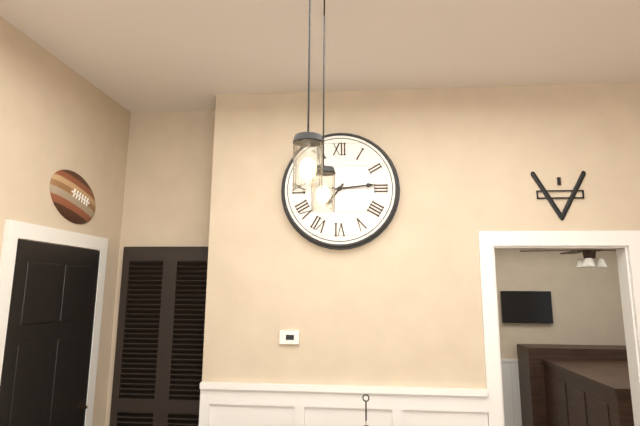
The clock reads 7h14
